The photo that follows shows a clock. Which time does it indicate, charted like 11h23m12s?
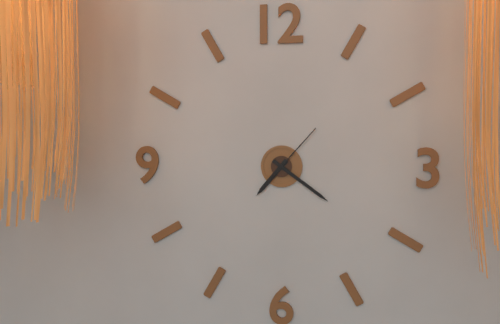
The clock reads 7h21m07s
